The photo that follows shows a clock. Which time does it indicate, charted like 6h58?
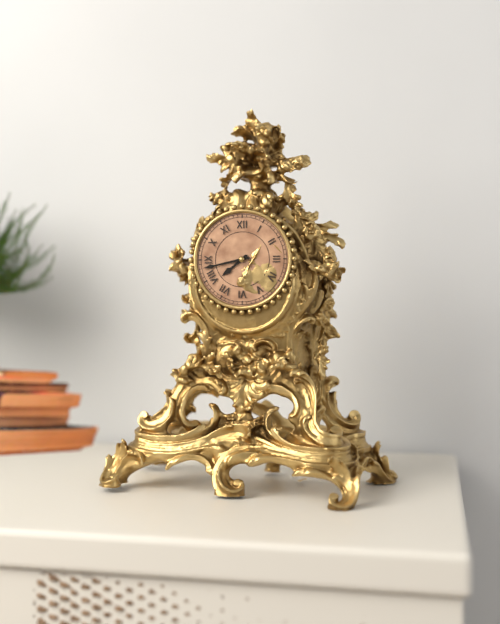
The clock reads 7h43
